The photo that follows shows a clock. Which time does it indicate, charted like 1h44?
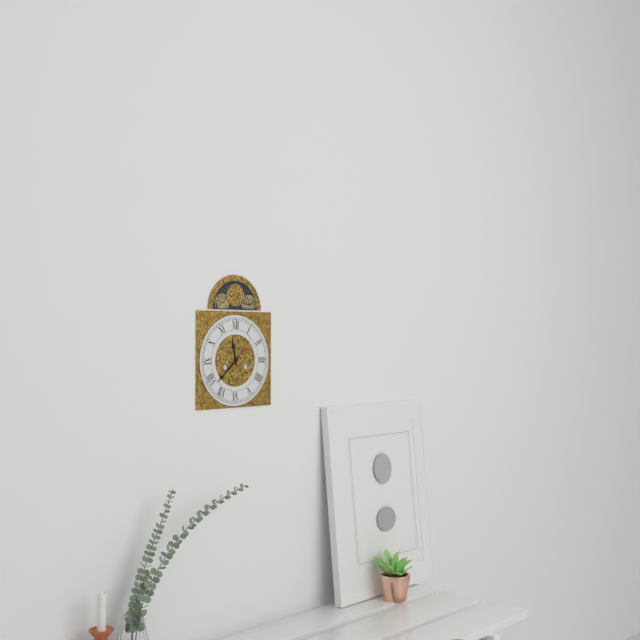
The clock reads 11h38
